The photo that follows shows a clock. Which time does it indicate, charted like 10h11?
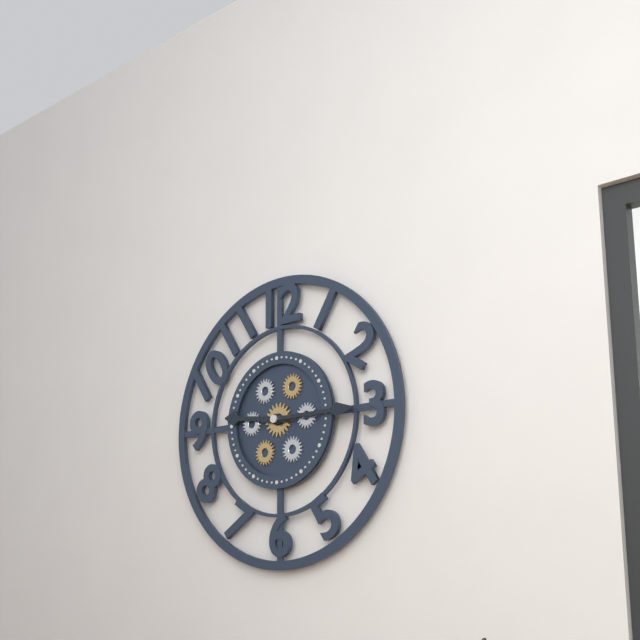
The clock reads 9h15
